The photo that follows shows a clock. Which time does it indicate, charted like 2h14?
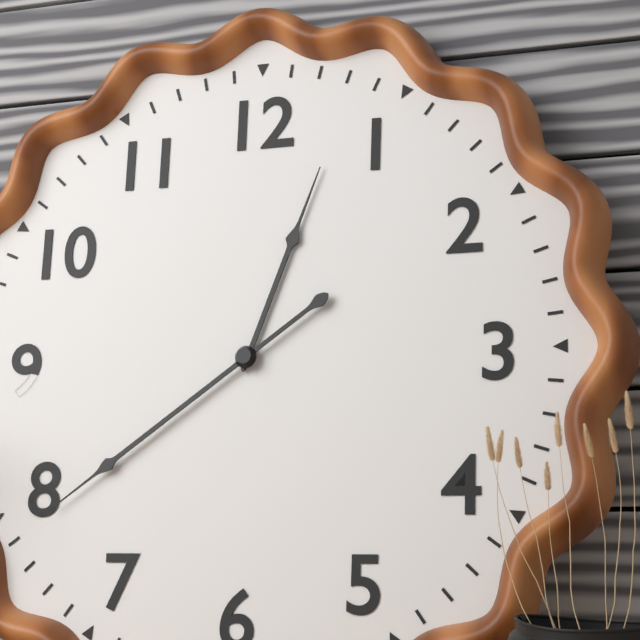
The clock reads 12h39
